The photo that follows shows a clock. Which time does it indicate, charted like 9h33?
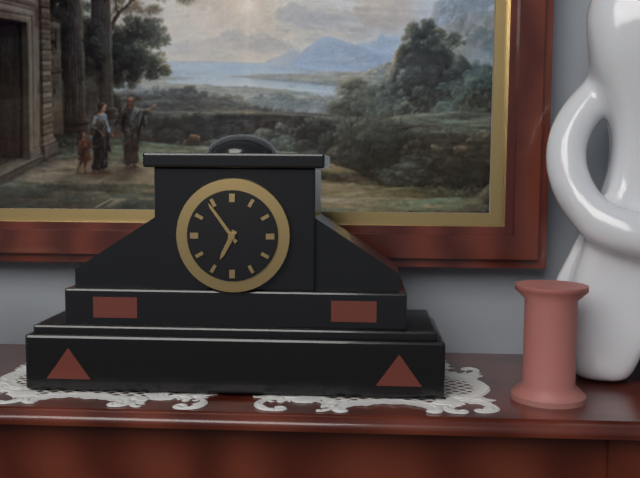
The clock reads 6h54
